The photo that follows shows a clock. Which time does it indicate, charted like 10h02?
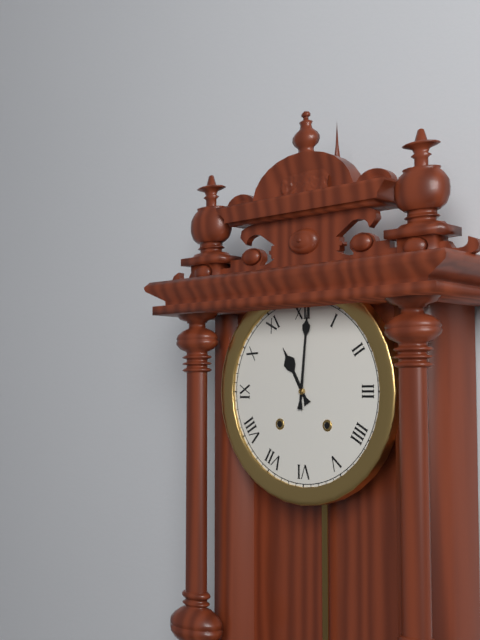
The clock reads 11h01
